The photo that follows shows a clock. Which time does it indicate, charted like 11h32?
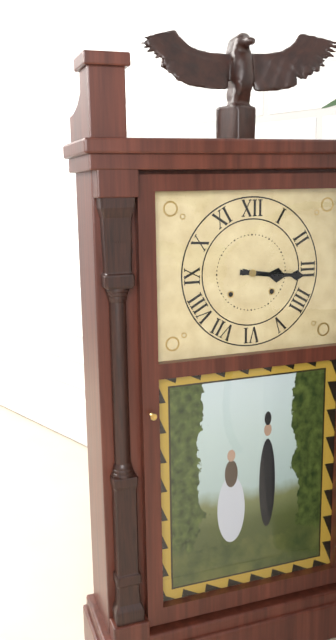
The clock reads 3h16
